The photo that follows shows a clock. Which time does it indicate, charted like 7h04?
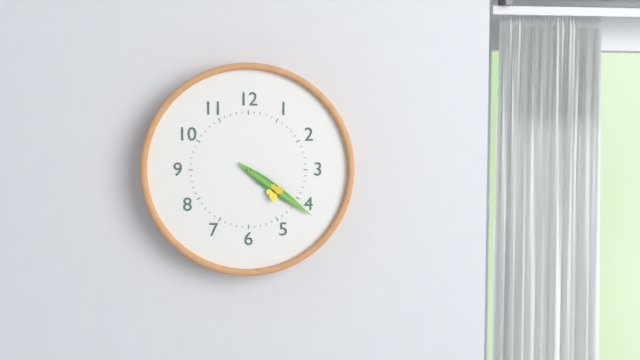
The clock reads 4h21
